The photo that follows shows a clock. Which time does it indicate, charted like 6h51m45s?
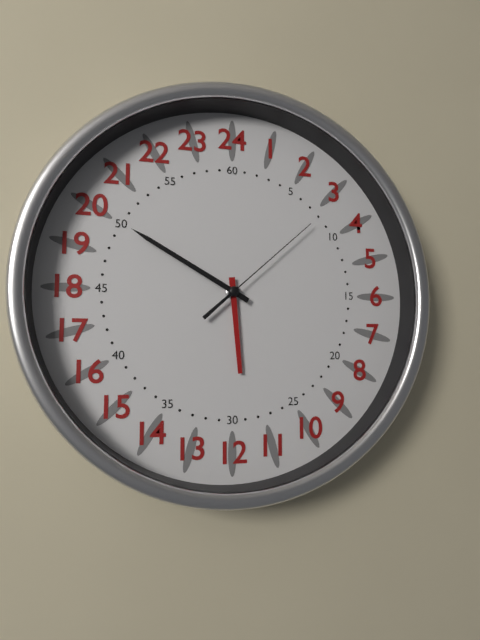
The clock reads 5h50m08s
